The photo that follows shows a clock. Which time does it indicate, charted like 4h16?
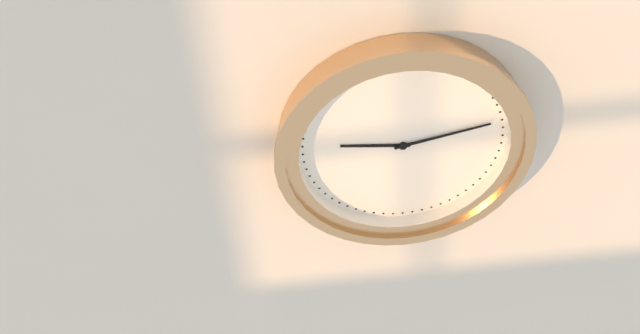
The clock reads 9h13
